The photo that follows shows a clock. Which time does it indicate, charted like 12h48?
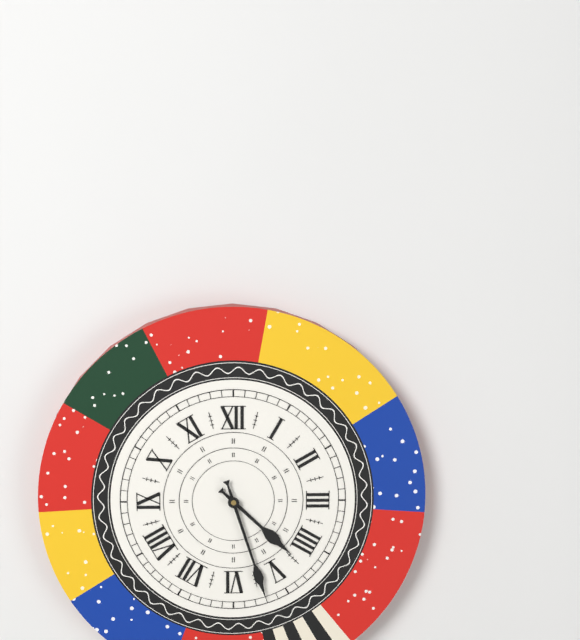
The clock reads 4h27
